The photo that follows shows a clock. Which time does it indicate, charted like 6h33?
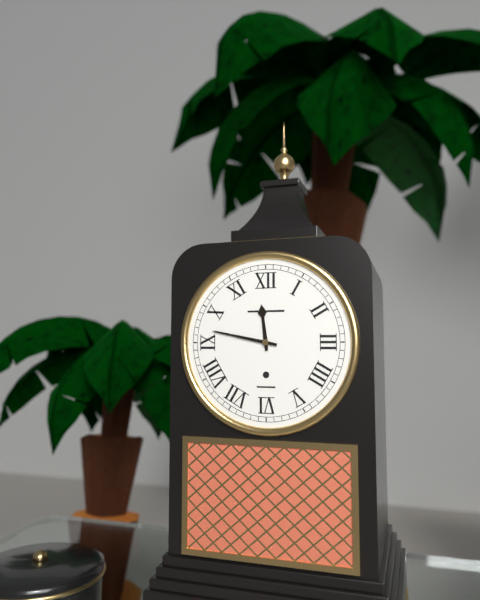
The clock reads 11h47
